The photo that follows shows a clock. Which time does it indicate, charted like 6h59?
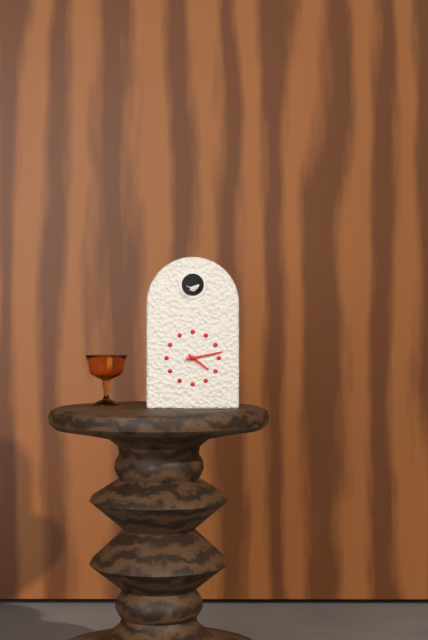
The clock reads 4h13
